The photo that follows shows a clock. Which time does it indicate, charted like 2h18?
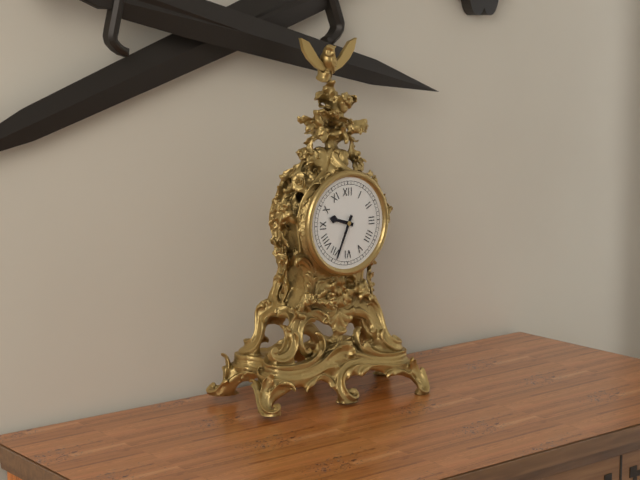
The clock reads 9h34
